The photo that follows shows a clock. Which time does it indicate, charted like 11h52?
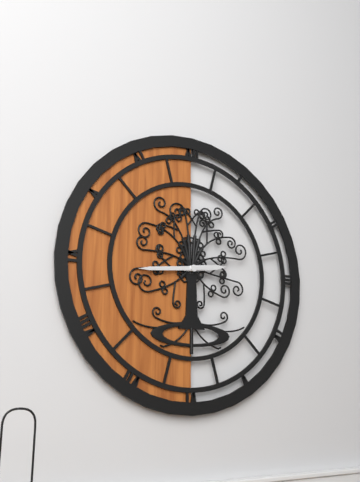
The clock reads 2h44
